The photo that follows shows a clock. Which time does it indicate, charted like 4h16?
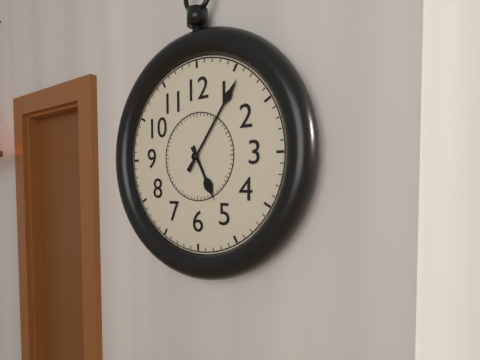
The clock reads 5h06
